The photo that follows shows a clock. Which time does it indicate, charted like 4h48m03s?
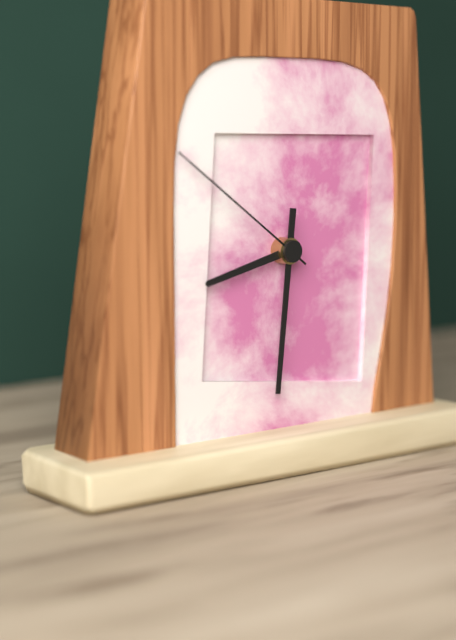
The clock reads 8h31m51s
